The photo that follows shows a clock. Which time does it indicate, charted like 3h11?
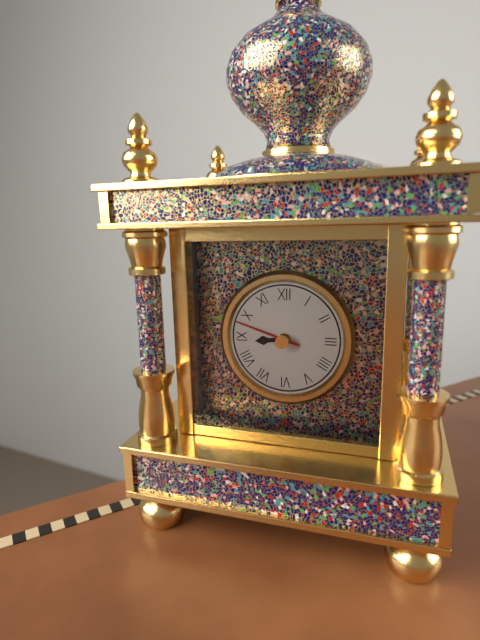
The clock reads 8h48
